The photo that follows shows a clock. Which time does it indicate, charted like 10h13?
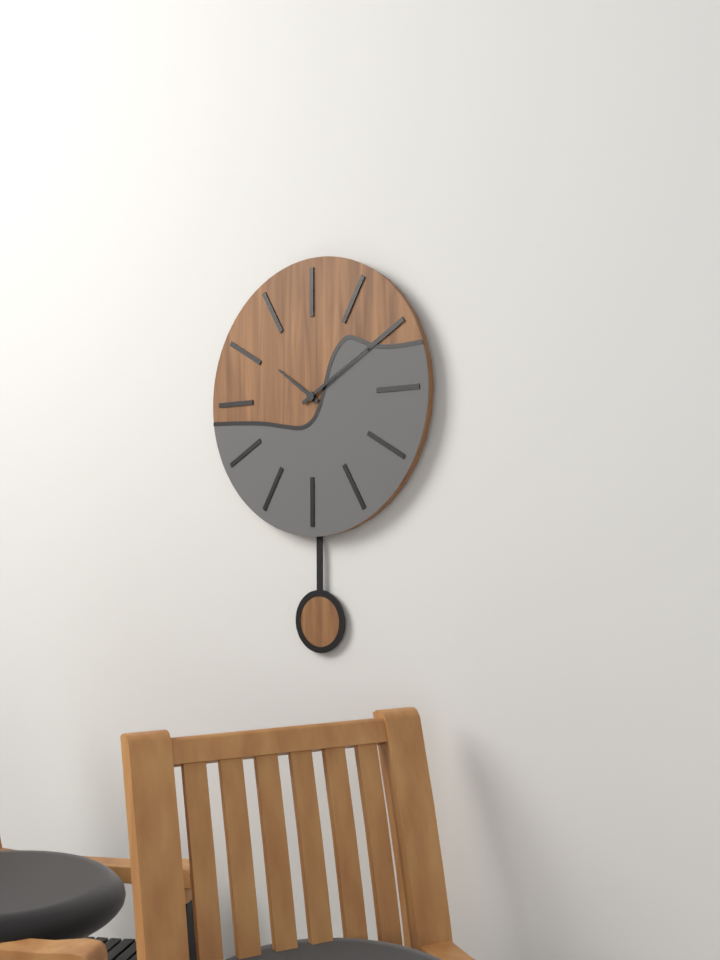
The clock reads 10h10
